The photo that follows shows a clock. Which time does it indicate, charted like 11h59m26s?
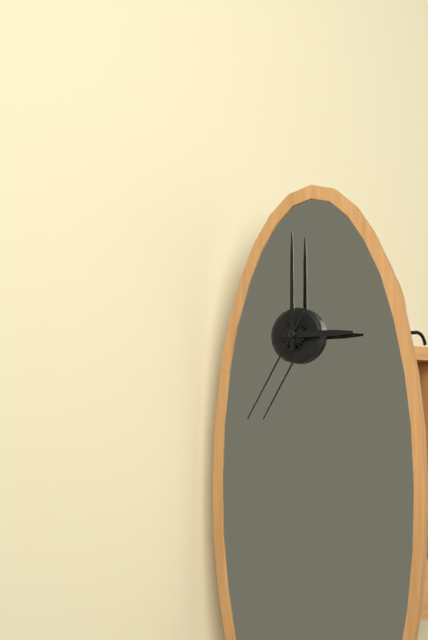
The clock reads 3h00m35s
